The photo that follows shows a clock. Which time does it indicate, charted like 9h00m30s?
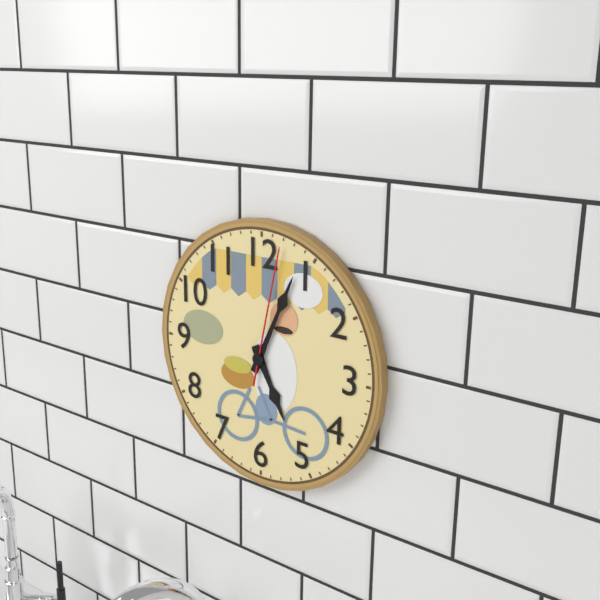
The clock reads 5h04m02s
